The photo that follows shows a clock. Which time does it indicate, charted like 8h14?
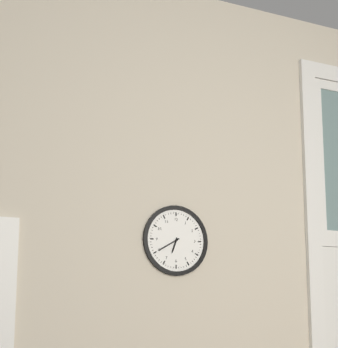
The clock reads 6h40
